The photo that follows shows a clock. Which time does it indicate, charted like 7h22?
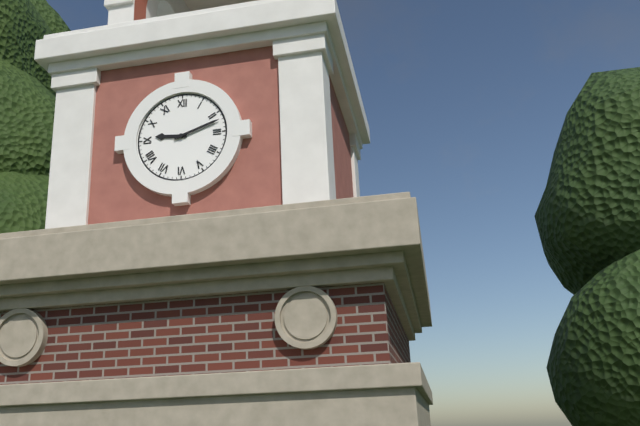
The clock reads 9h12
